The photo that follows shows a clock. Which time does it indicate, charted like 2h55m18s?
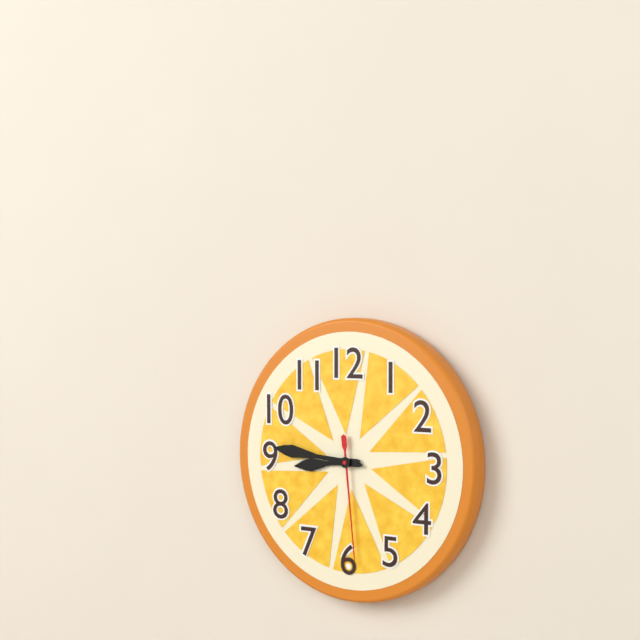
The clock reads 8h46m29s
